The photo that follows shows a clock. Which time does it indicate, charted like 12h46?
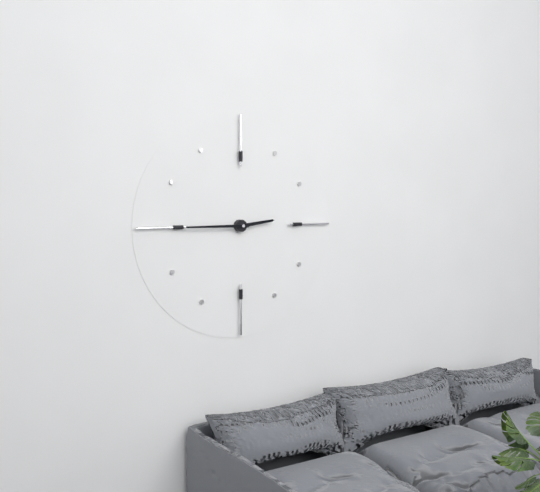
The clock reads 2h45
